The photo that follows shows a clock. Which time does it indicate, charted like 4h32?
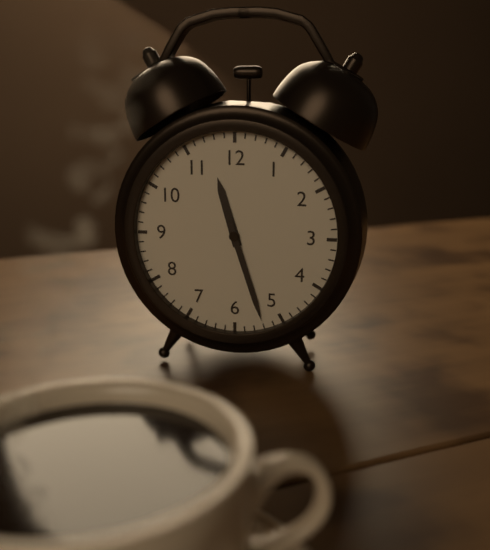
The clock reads 11h27
